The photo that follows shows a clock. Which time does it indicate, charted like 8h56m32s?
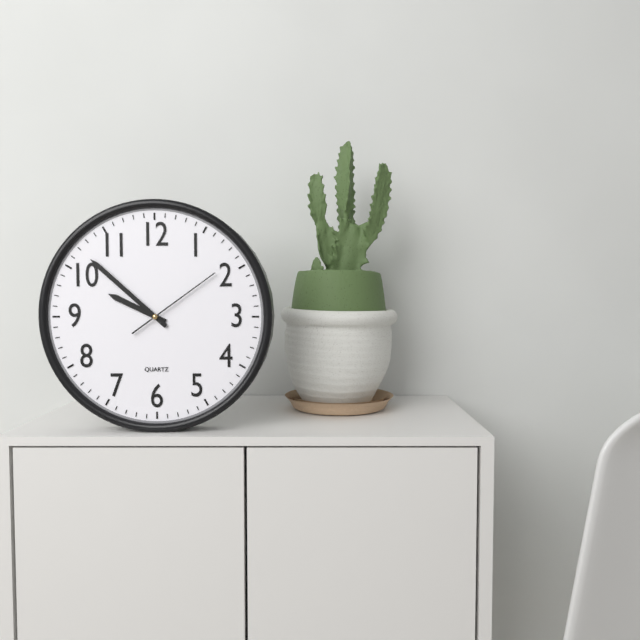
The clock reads 9h52m09s
